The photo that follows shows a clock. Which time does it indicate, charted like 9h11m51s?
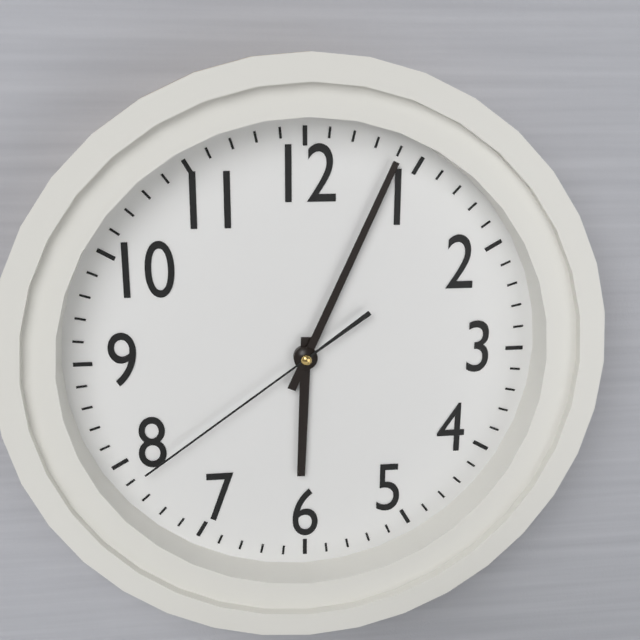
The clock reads 6h04m39s
